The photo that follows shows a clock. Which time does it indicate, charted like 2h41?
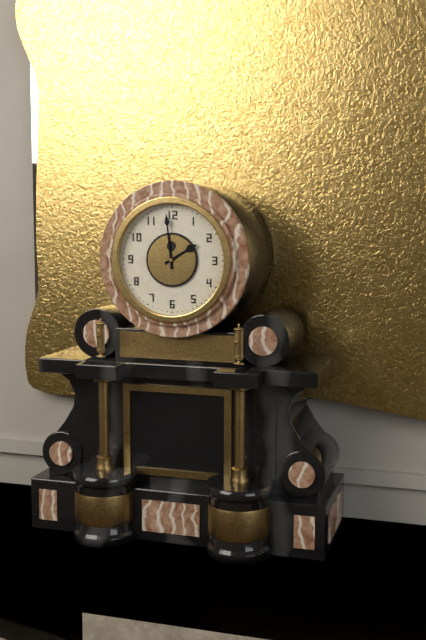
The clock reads 1h59
